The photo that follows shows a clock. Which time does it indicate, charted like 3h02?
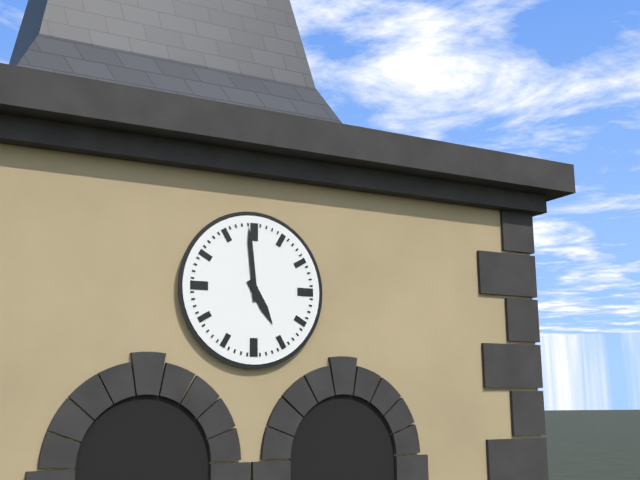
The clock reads 4h59
